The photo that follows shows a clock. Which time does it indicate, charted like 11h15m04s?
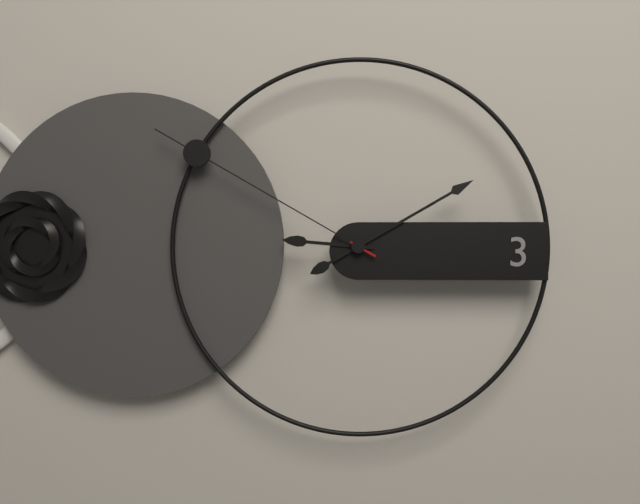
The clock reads 9h10m50s
